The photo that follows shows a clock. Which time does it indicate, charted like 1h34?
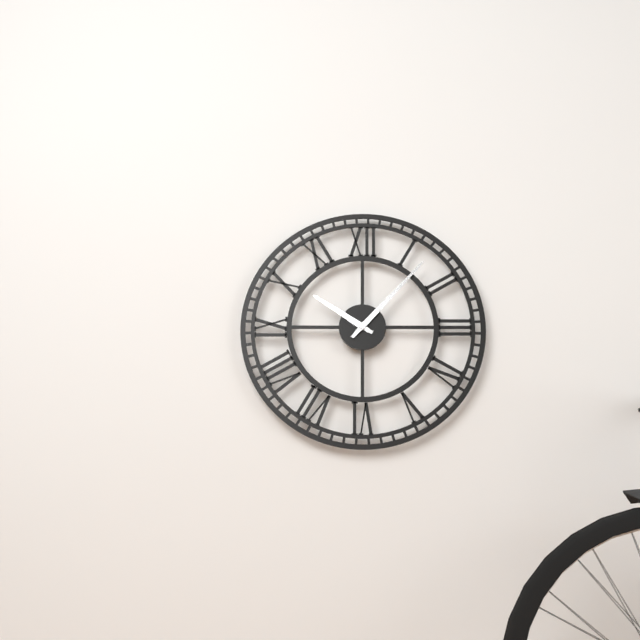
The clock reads 10h07
